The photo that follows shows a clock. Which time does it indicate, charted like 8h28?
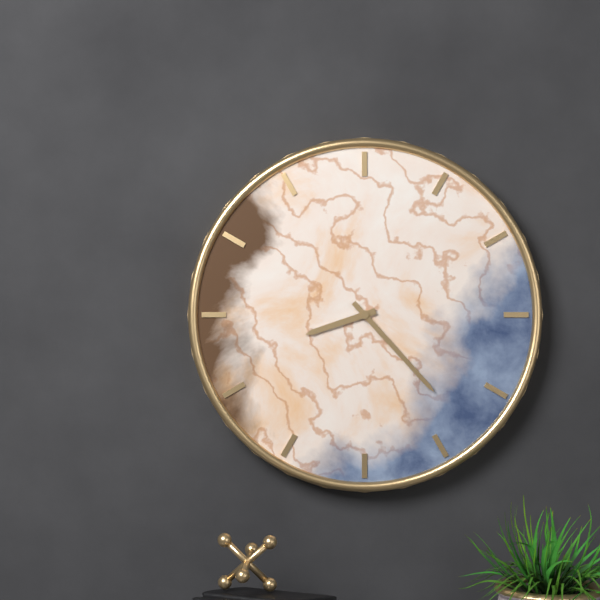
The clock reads 8h23
